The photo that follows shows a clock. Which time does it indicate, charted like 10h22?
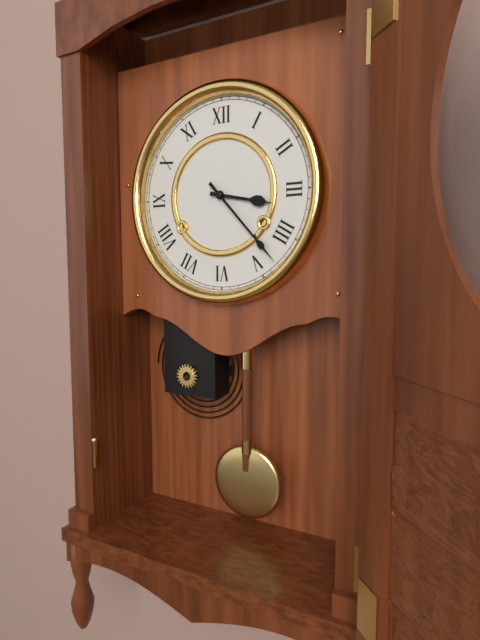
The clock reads 3h23
